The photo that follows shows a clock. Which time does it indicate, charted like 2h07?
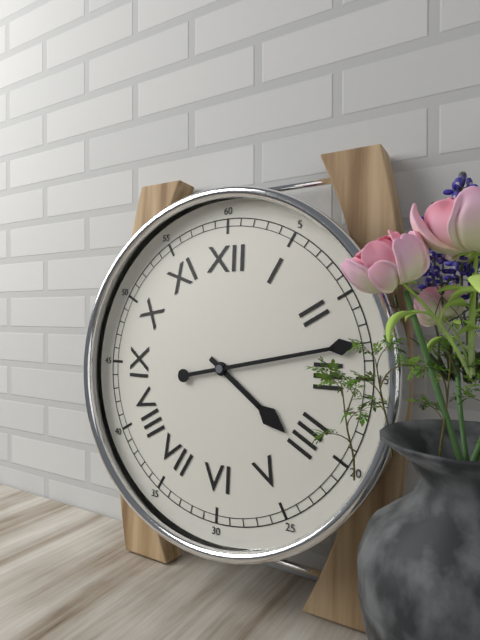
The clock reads 4h13
